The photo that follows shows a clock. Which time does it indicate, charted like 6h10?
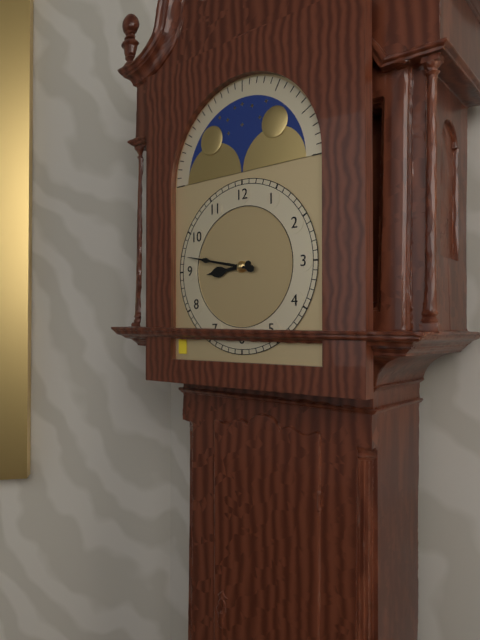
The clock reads 8h47
